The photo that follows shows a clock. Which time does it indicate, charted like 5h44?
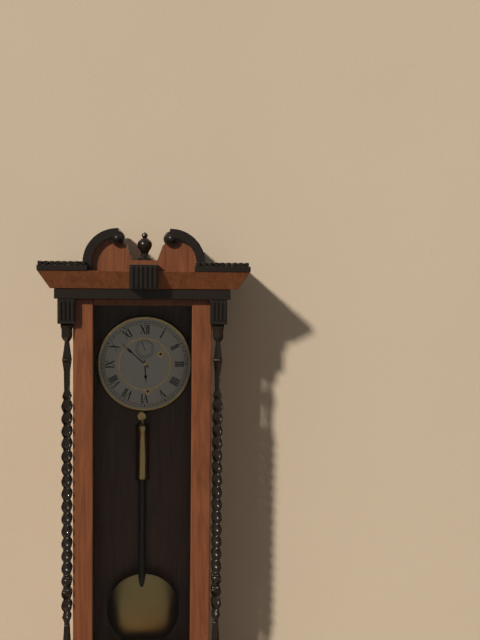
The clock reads 5h52
